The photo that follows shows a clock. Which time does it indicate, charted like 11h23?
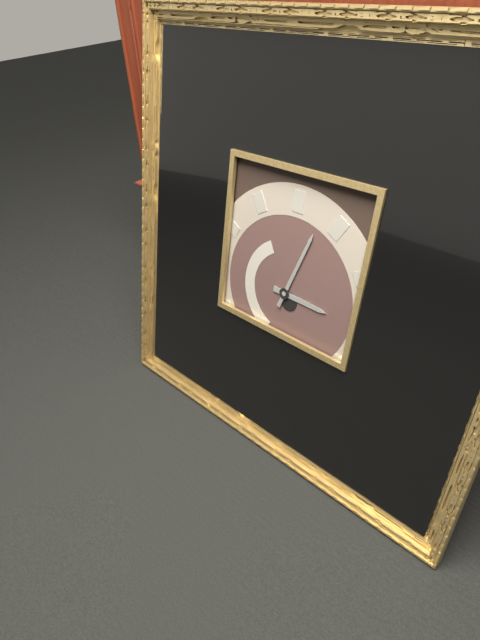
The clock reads 3h03
